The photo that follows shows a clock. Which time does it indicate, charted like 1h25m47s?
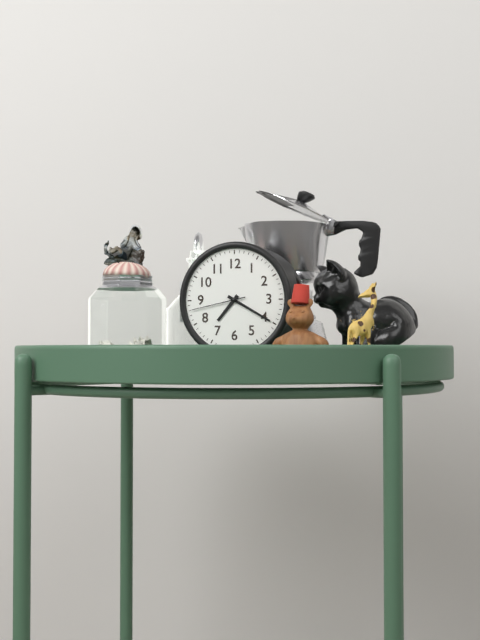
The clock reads 7h20m43s
